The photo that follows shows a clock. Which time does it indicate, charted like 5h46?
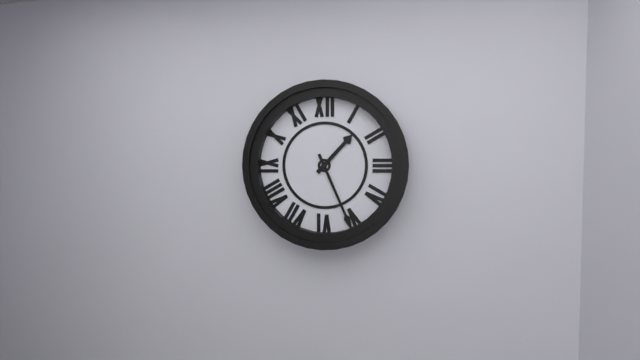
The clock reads 1h26
